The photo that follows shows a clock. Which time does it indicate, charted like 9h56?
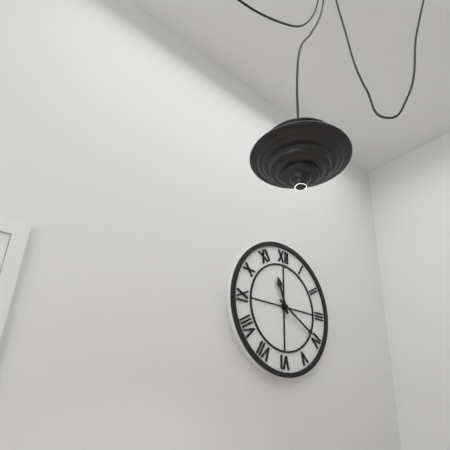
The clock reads 11h20
